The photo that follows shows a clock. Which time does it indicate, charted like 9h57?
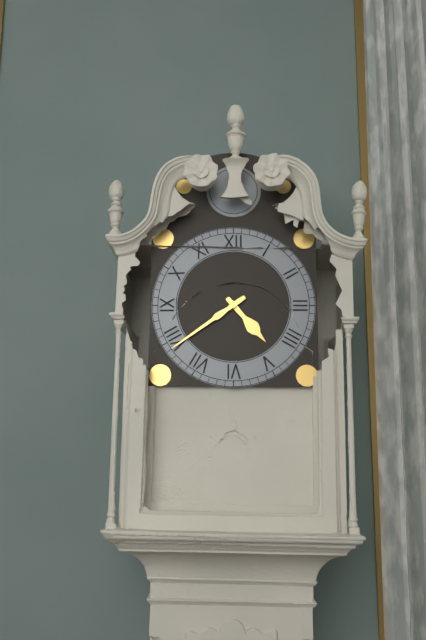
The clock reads 4h39
